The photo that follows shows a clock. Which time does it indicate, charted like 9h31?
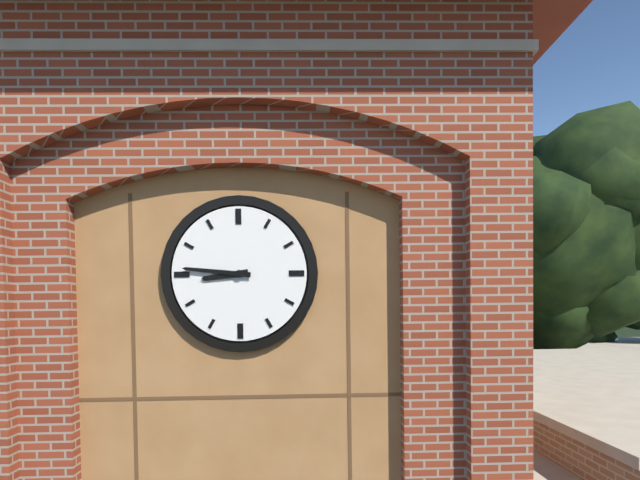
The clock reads 8h46
